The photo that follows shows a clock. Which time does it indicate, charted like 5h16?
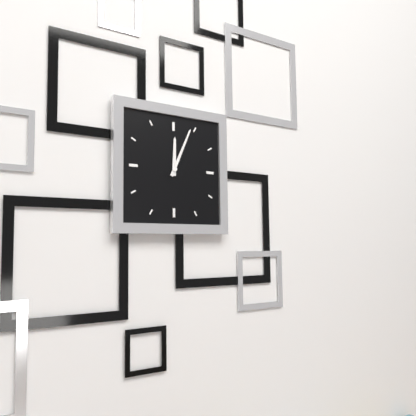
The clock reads 12h04
